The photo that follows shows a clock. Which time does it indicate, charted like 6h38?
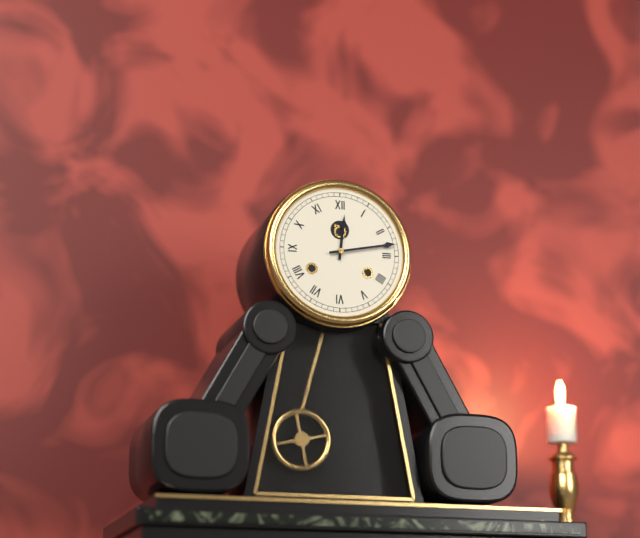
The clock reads 12h13
